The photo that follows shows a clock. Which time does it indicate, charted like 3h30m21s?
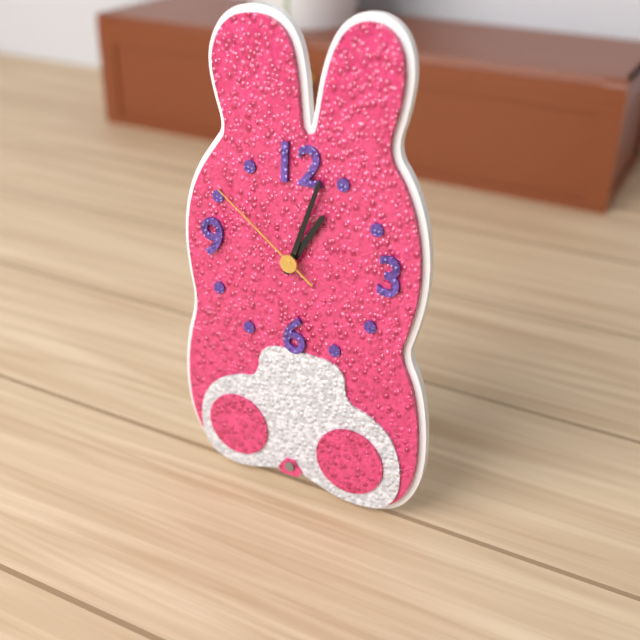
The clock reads 1h03m51s
